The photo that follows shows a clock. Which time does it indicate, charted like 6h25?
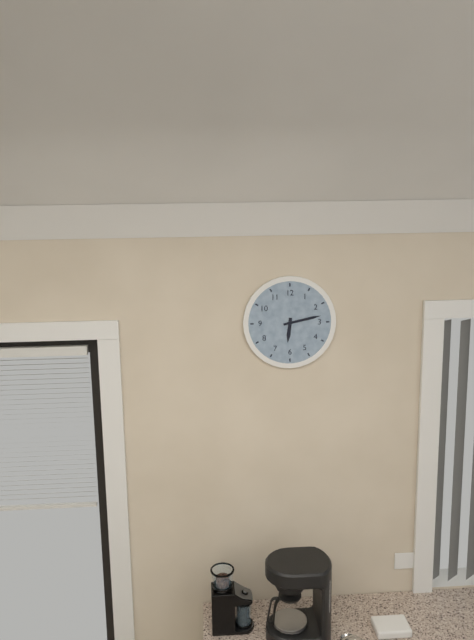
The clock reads 6h13
